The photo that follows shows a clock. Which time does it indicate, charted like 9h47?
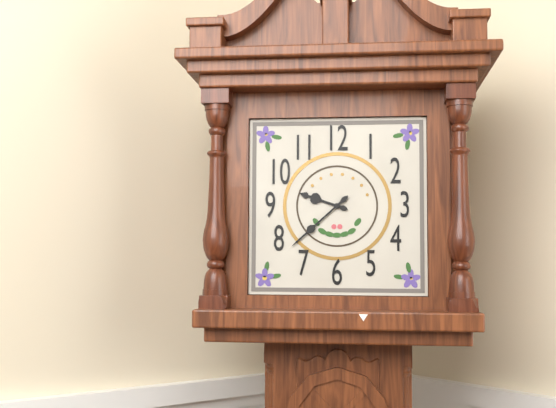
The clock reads 9h38
